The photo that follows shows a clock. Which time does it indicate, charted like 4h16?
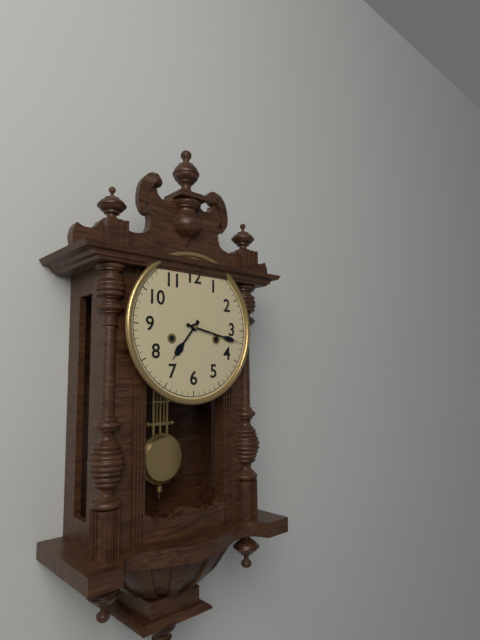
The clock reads 7h17
